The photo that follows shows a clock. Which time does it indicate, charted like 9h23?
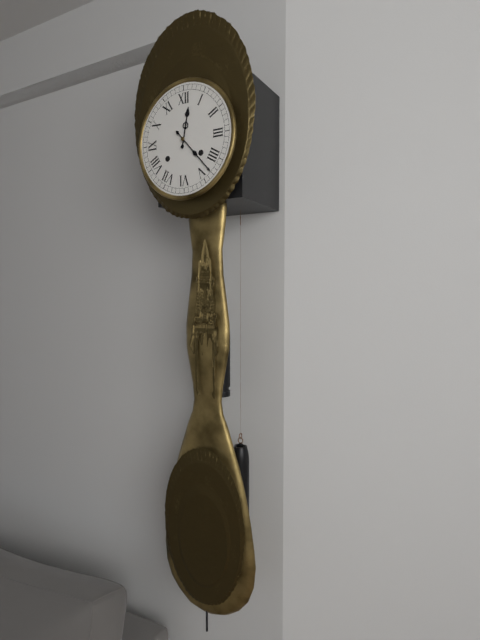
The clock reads 12h23
